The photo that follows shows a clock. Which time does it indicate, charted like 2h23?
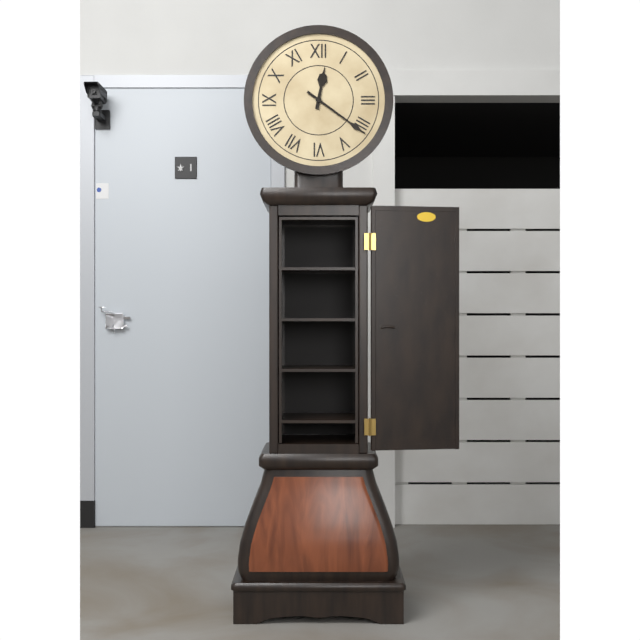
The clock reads 12h21
